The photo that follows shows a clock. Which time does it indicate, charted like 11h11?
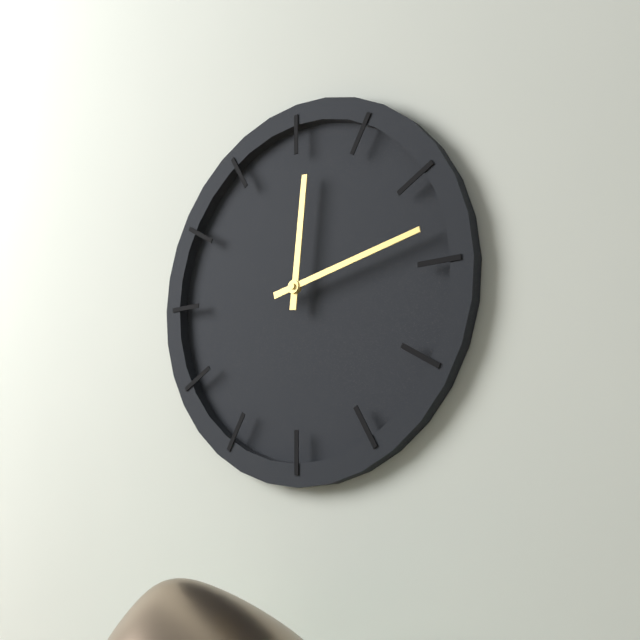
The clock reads 12h13
